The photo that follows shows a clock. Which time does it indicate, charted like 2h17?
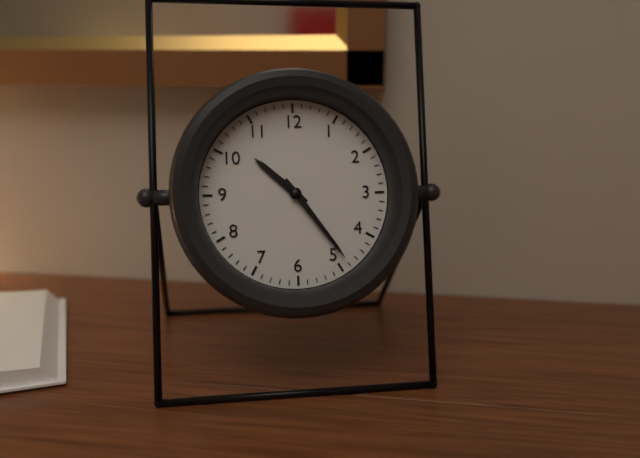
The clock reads 10h24
